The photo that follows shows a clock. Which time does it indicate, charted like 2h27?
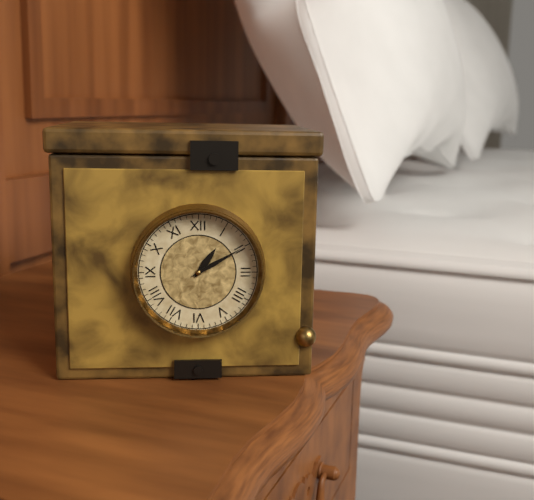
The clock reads 1h10
